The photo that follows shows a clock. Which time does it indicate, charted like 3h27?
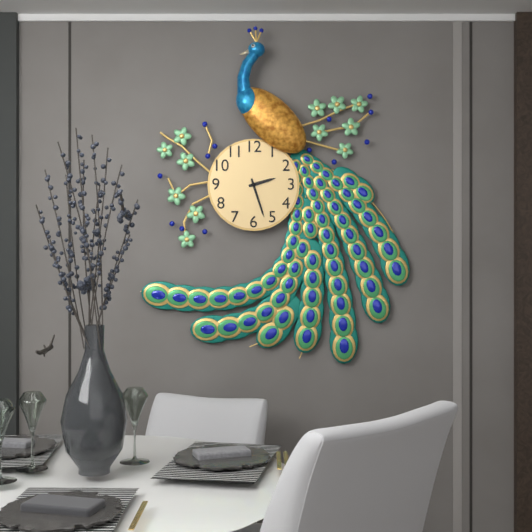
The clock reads 2h27
